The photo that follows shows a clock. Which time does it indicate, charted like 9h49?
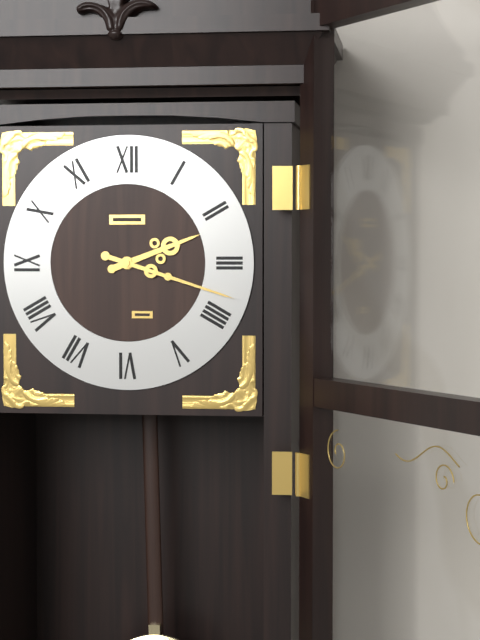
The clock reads 2h18
